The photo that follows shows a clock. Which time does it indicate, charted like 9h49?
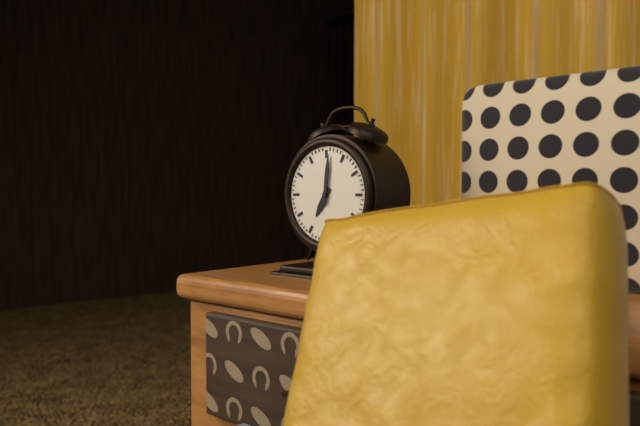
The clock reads 7h01
